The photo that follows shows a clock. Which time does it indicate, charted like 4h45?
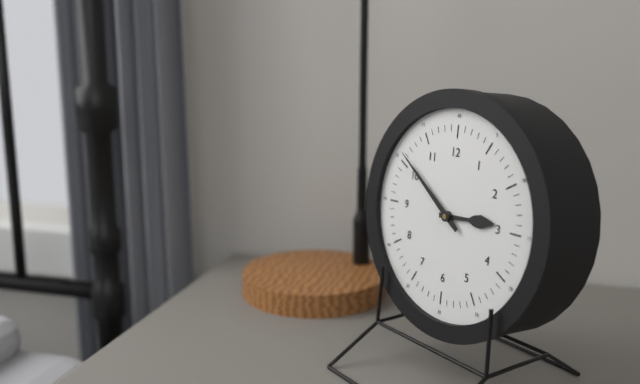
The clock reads 2h51
